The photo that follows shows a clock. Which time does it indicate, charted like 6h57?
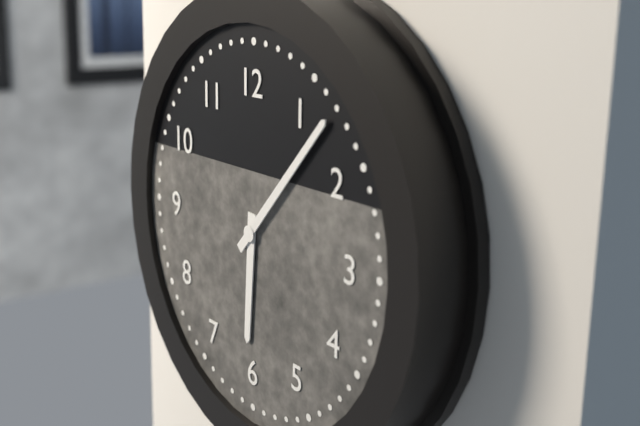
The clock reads 6h07
